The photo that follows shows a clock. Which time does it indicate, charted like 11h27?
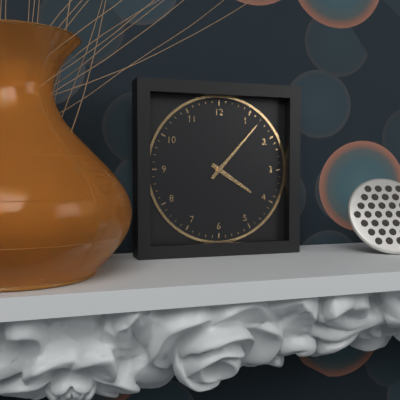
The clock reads 4h07
